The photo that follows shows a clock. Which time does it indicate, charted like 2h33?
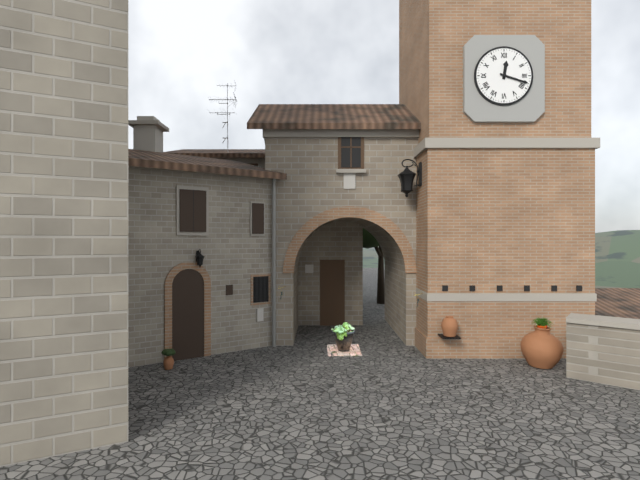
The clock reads 12h18
